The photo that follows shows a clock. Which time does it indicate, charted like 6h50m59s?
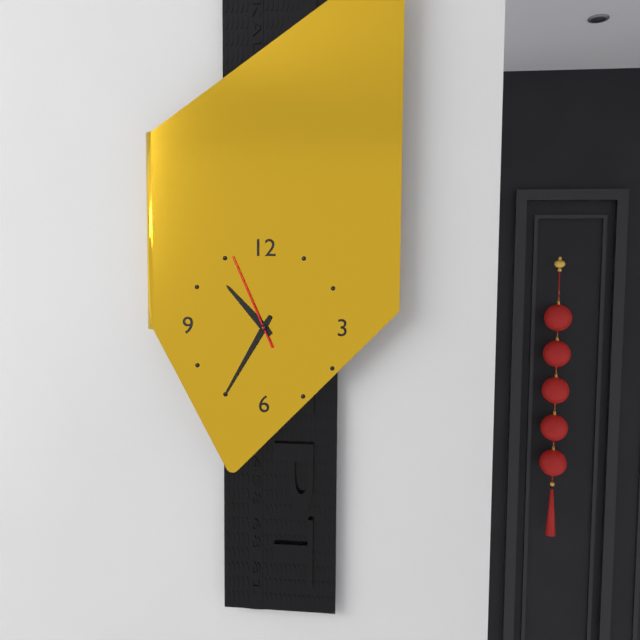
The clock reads 10h35m56s
